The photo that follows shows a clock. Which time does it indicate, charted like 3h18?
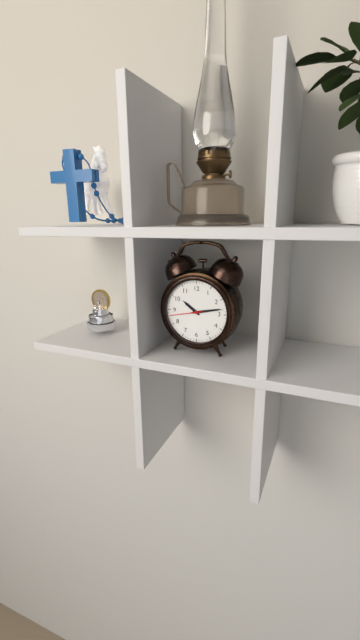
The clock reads 10h13
